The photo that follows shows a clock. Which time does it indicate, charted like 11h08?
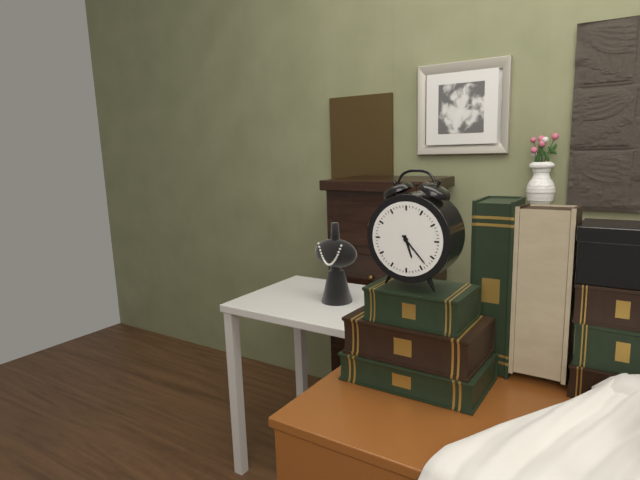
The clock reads 5h23
